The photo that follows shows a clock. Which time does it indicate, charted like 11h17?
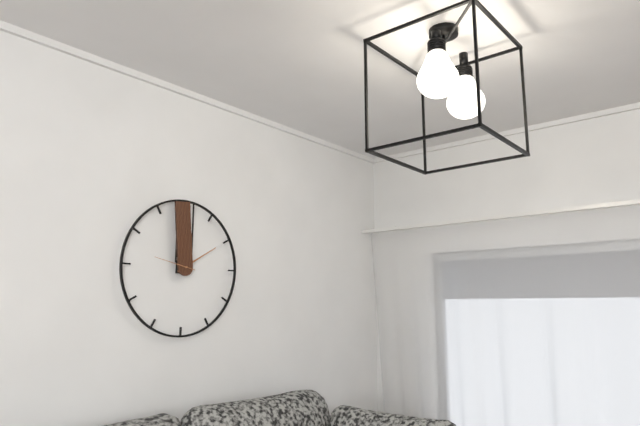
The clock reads 1h59
